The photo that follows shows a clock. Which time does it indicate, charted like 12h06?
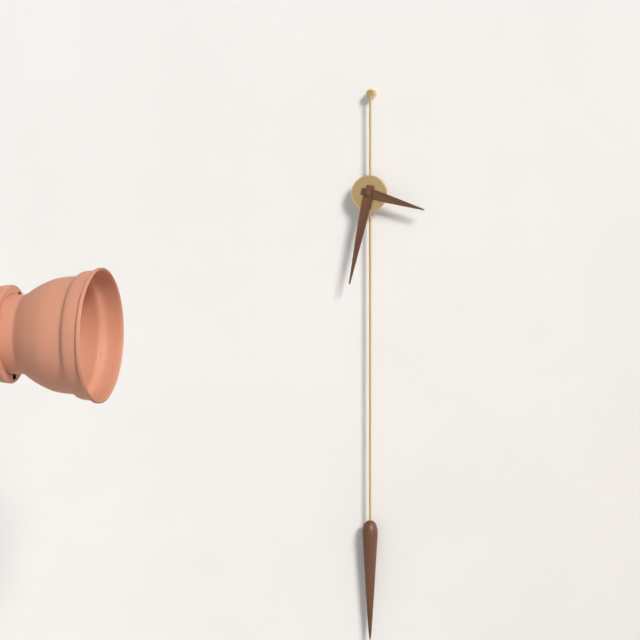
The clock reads 3h32
